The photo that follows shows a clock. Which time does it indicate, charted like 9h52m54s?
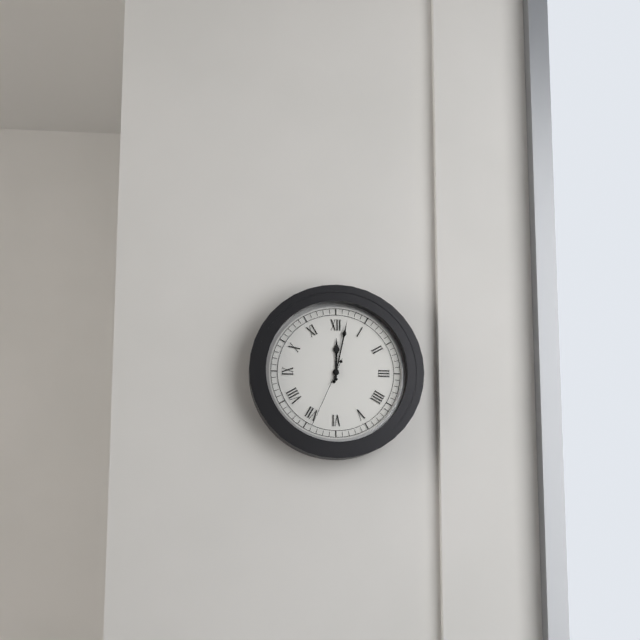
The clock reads 12h02m34s
